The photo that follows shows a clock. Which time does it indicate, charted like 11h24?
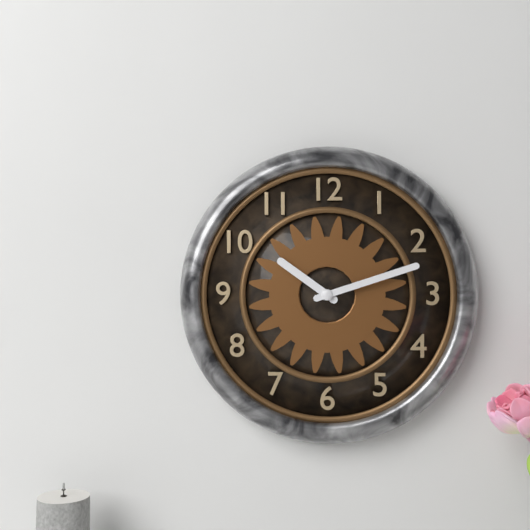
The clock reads 10h12
